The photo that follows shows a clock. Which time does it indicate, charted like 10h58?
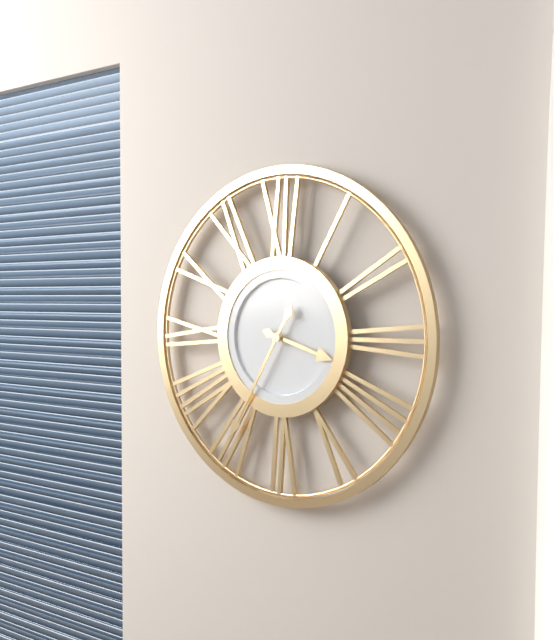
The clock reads 3h35
